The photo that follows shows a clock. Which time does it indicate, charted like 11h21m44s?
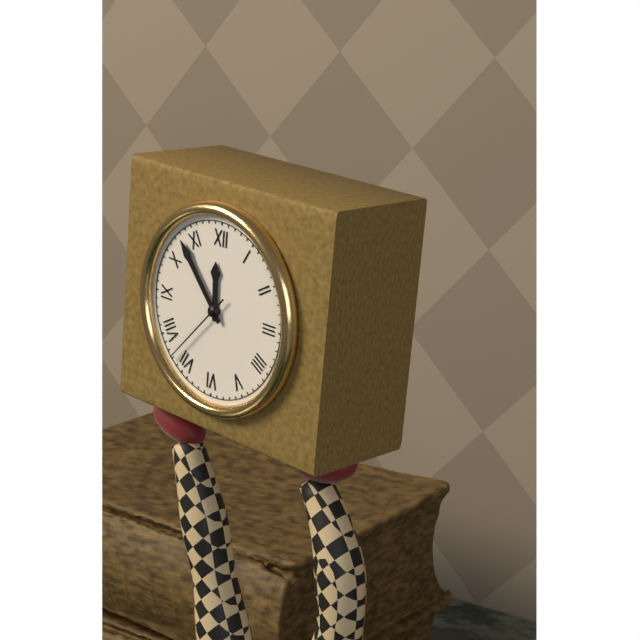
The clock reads 11h53m37s
